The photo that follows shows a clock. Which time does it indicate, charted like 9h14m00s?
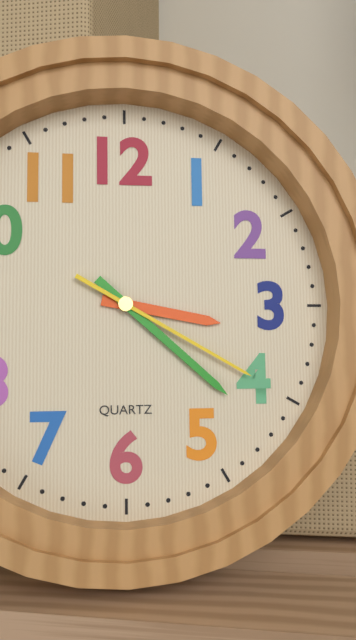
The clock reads 3h22m20s
